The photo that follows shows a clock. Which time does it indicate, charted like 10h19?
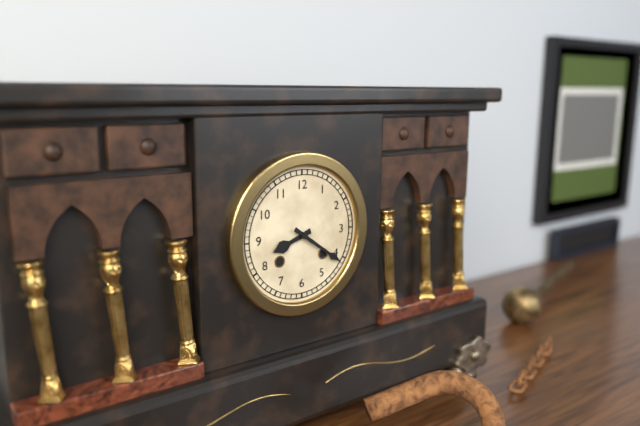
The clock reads 8h21
